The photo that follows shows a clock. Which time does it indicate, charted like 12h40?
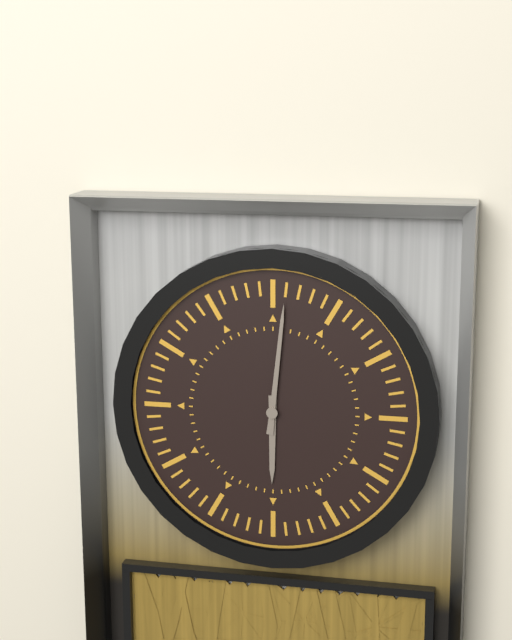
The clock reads 6h01
